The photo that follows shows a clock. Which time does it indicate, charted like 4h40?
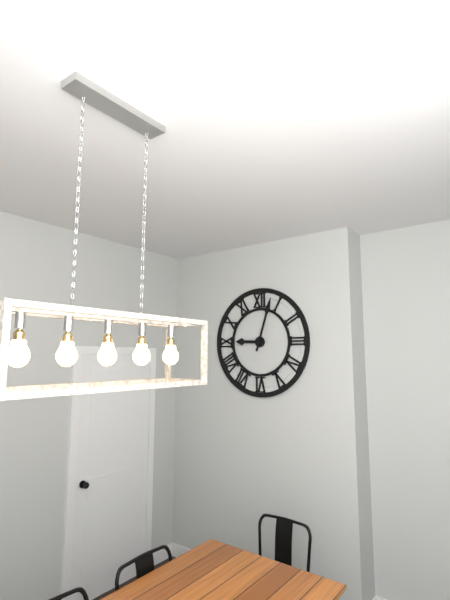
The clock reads 9h03
